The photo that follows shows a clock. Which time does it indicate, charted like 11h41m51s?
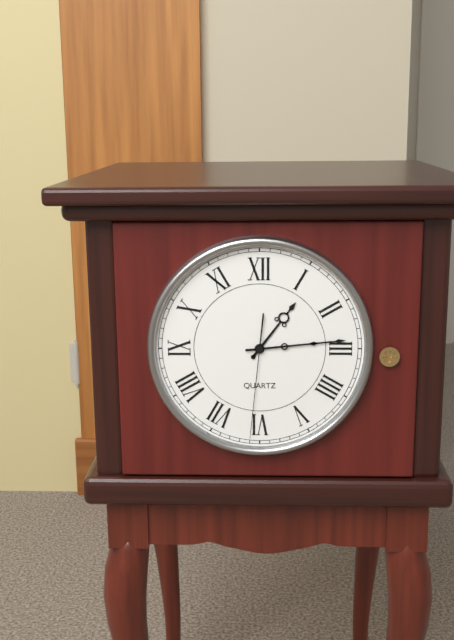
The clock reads 1h14m31s
